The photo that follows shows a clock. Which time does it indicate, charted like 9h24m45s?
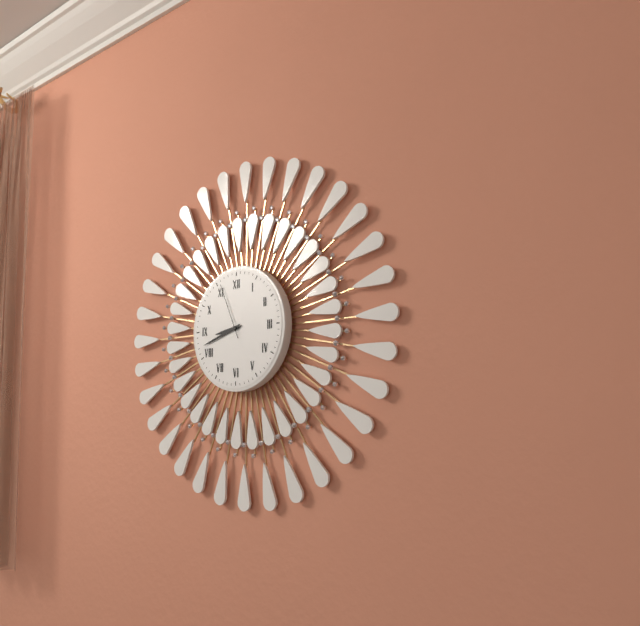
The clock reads 8h42m56s
